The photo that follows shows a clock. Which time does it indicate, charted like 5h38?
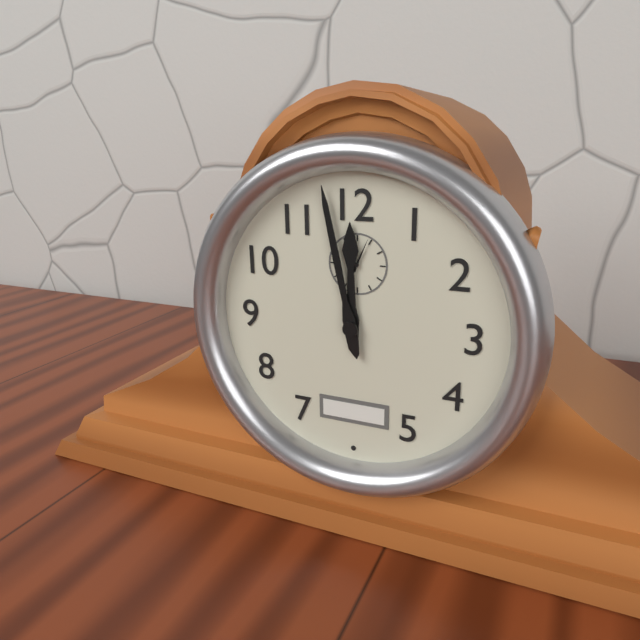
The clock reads 11h58
